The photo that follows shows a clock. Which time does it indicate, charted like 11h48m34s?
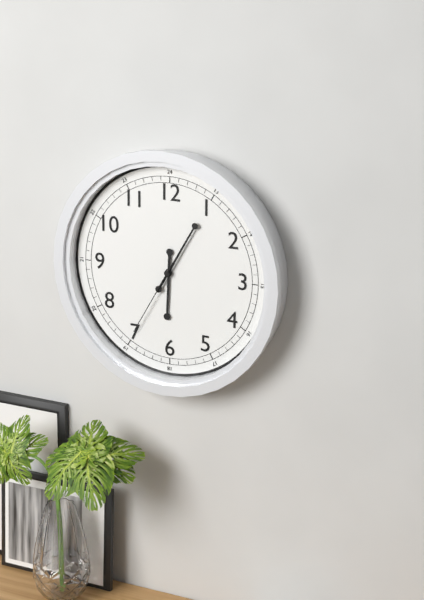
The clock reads 6h05m35s
